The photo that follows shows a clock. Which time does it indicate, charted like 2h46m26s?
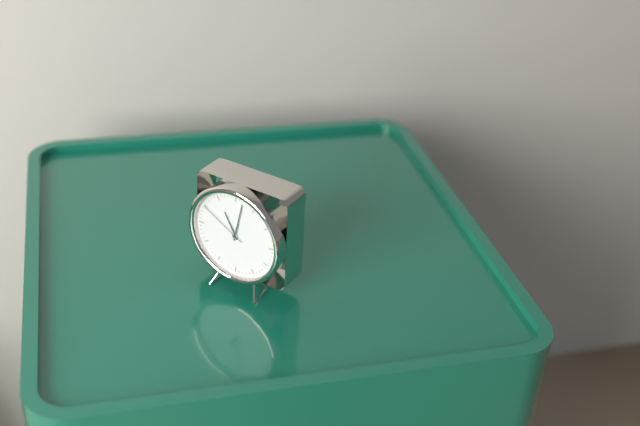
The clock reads 11h02m50s
